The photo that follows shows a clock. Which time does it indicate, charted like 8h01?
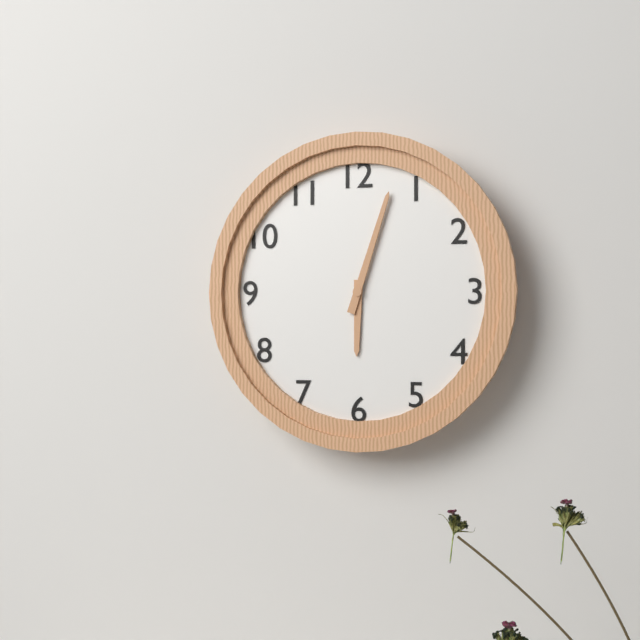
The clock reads 6h03
